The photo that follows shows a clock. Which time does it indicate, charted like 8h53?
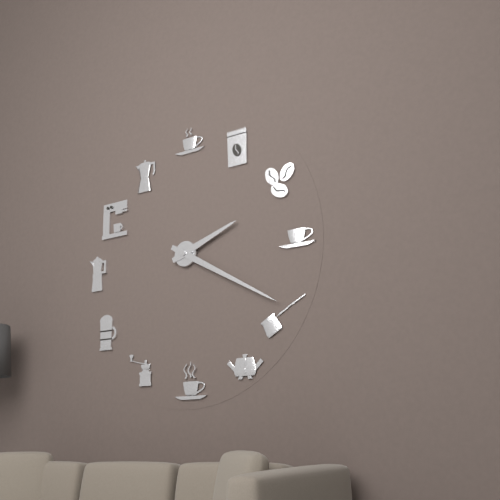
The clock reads 2h20
